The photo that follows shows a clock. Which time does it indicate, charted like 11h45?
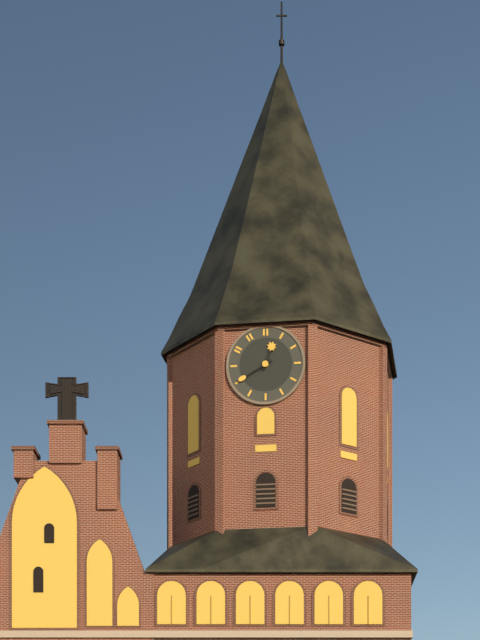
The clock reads 12h40
